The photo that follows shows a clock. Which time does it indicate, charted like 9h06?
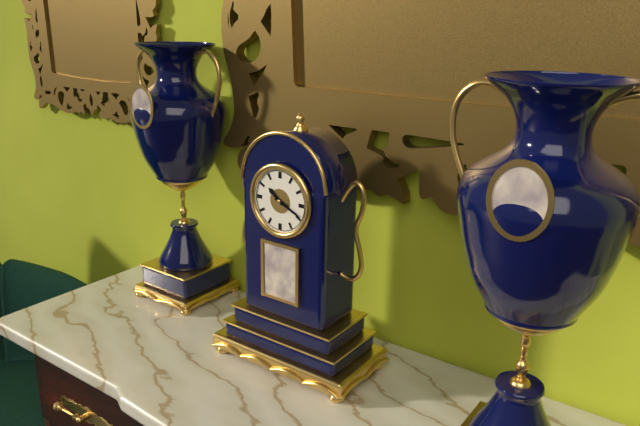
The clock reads 10h19
